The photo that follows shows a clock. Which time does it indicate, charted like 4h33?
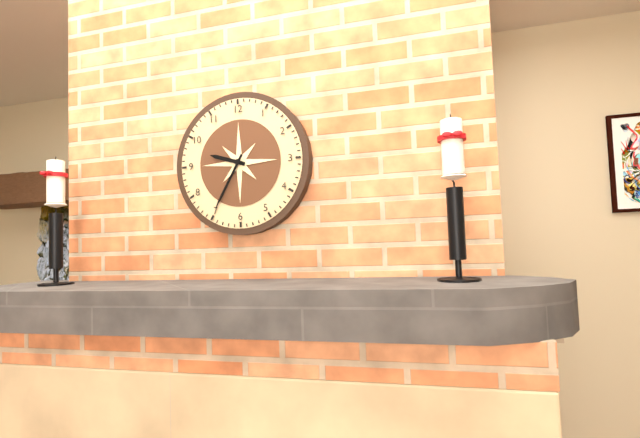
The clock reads 9h35
